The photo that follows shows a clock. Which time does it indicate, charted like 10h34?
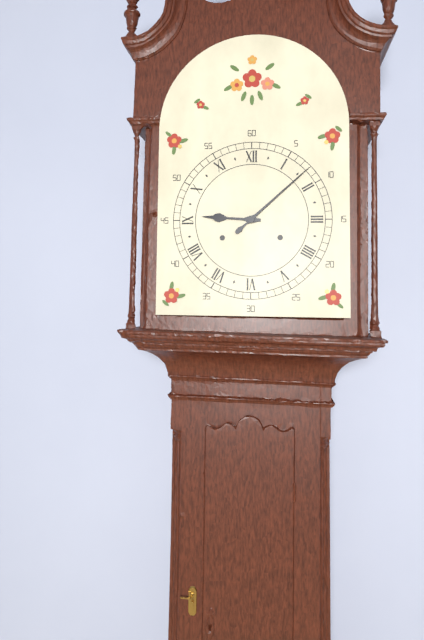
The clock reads 9h08
